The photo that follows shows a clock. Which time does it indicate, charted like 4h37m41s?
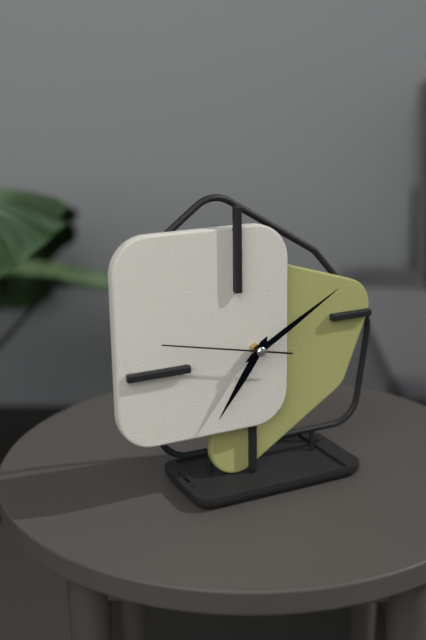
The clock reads 7h10m47s
